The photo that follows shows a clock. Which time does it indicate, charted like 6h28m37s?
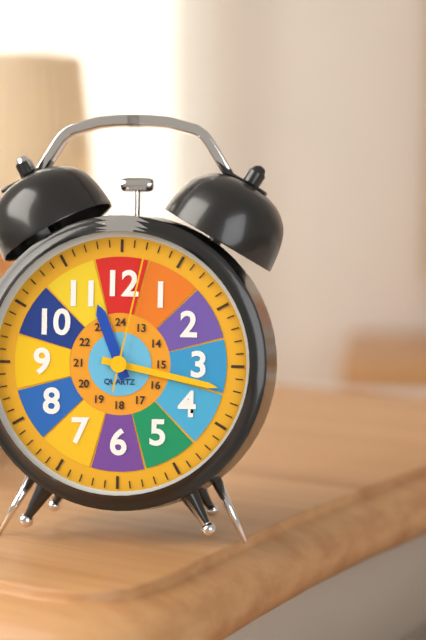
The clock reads 11h17m02s
